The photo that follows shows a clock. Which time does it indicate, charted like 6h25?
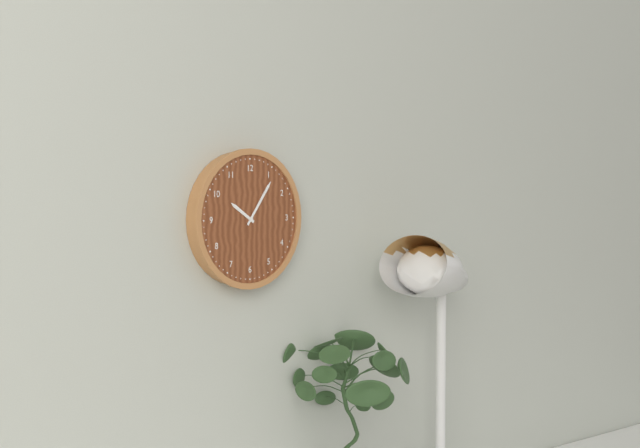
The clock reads 10h06
